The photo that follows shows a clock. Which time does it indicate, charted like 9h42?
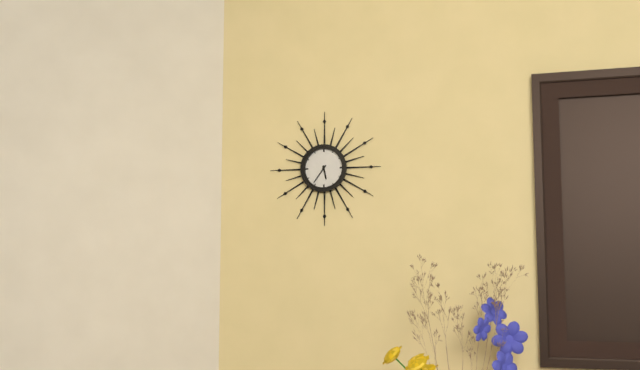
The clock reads 5h36
